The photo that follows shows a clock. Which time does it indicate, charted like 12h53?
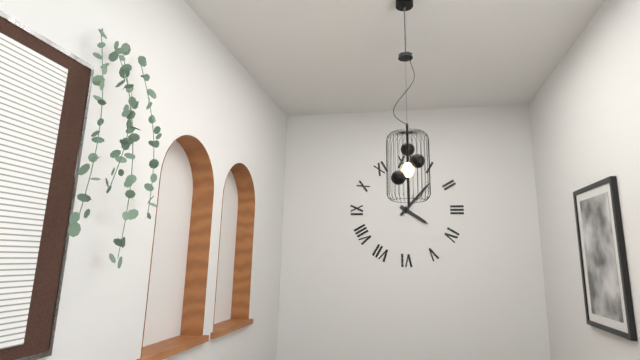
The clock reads 4h07
